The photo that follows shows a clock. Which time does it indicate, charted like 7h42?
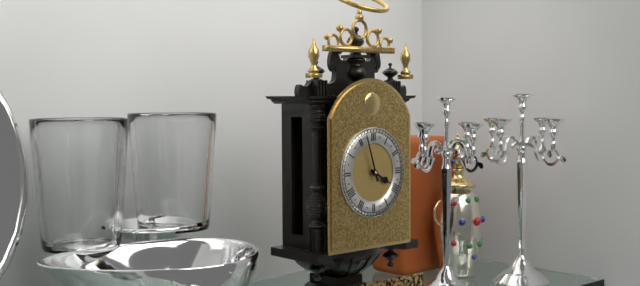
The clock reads 3h57
